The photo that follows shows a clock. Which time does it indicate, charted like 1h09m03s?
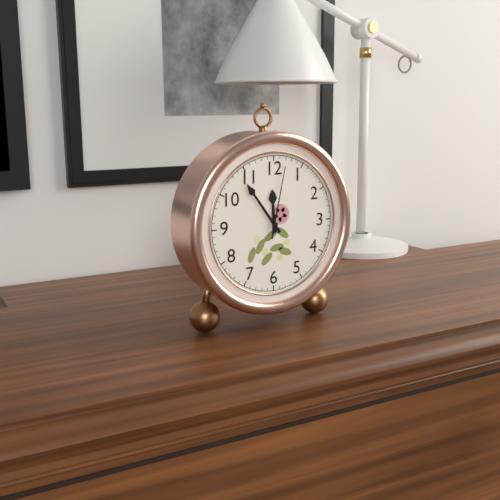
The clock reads 11h54m02s
